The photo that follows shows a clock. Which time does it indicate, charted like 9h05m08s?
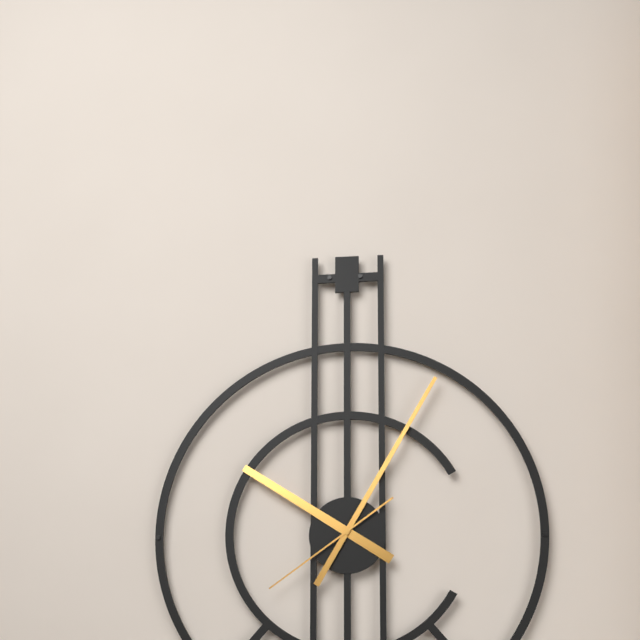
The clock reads 10h05m39s
